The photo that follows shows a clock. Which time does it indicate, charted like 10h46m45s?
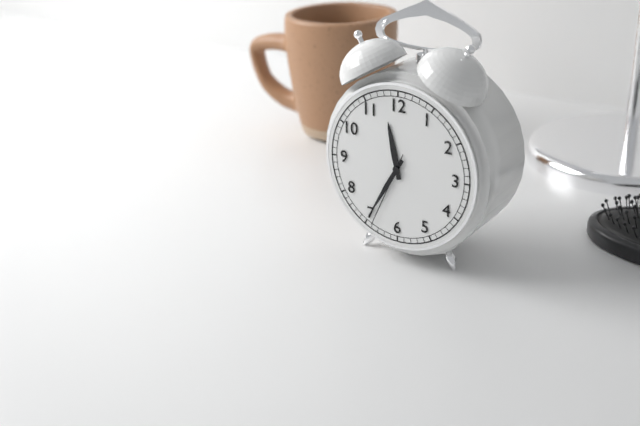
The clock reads 11h35m34s
